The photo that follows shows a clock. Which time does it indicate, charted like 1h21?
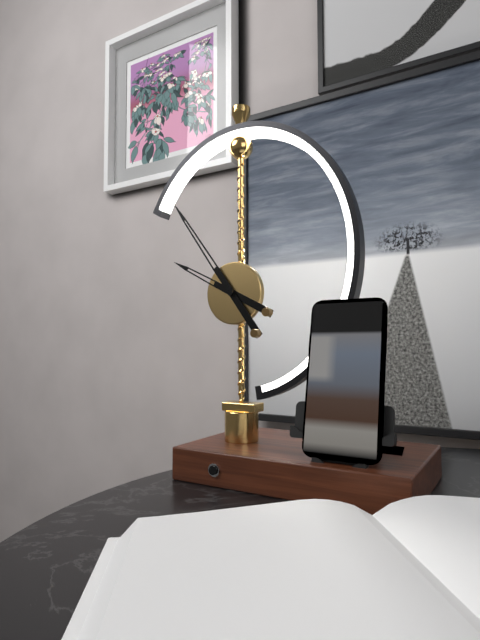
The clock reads 9h54
